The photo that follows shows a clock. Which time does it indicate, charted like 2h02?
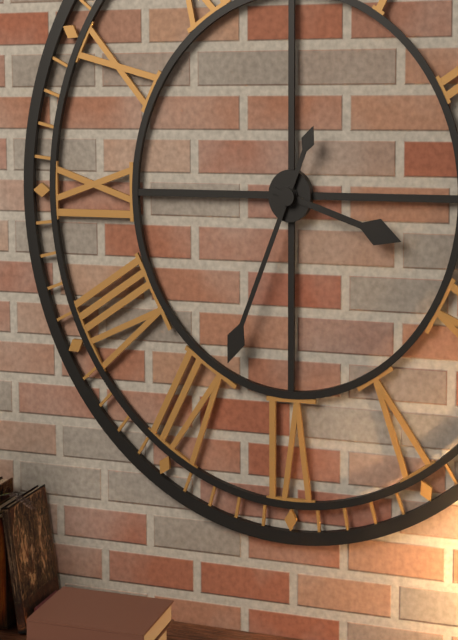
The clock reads 3h34
